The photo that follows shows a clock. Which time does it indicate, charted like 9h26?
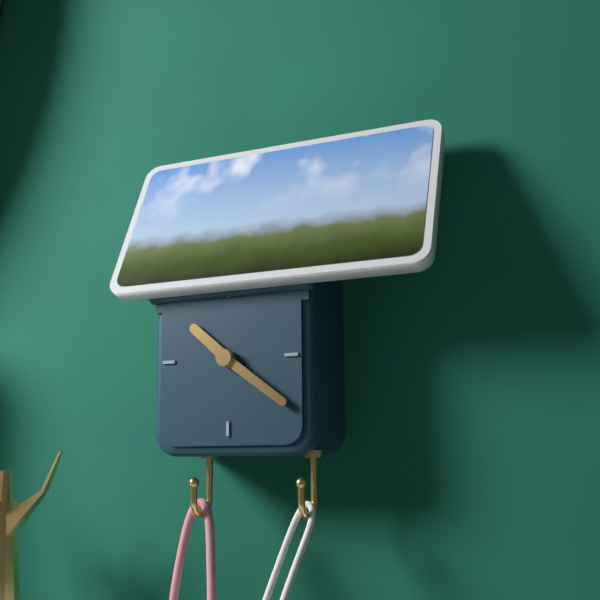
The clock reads 10h21
